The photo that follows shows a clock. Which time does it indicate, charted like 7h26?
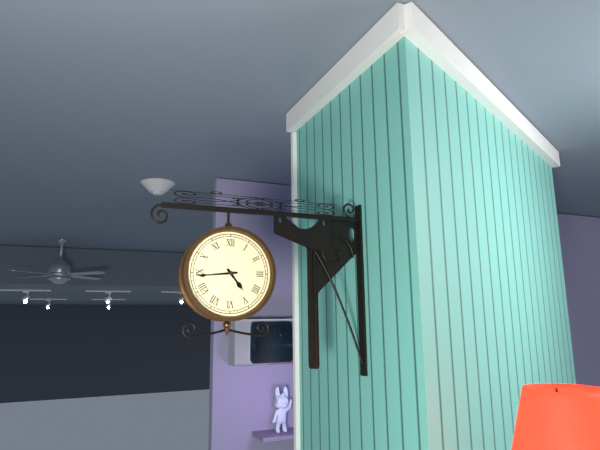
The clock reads 4h44
